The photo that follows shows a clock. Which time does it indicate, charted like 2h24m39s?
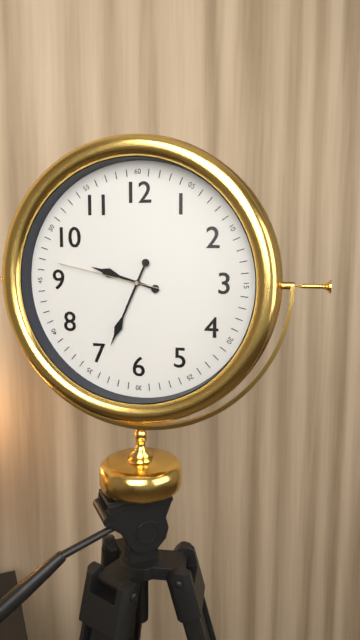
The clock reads 9h34m47s
